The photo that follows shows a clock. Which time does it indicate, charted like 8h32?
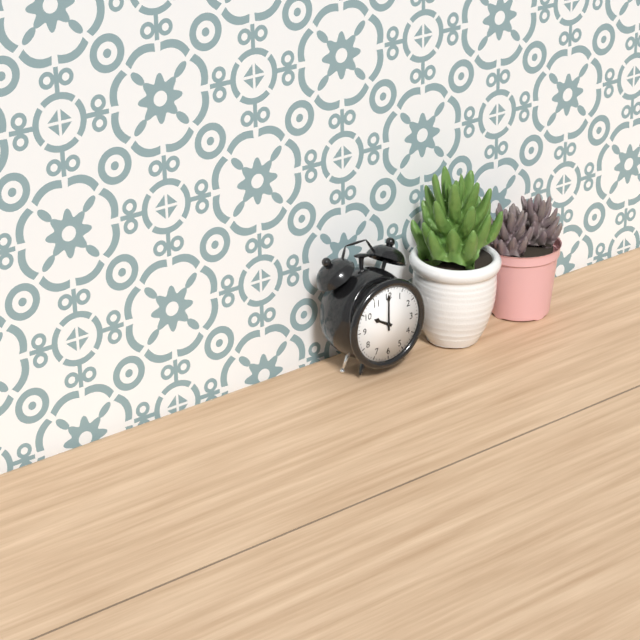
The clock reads 10h00
